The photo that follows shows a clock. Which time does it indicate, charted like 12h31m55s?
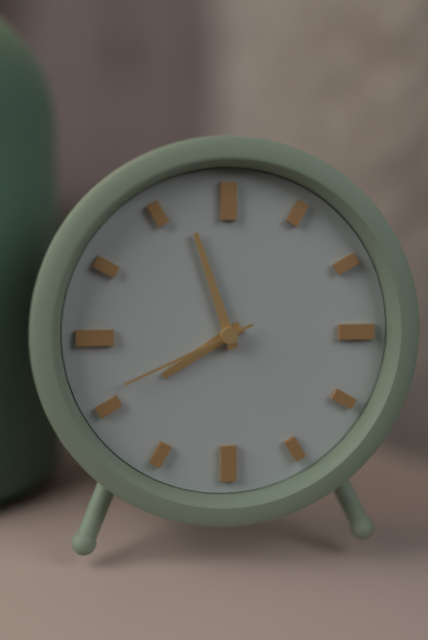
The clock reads 7h57m41s
